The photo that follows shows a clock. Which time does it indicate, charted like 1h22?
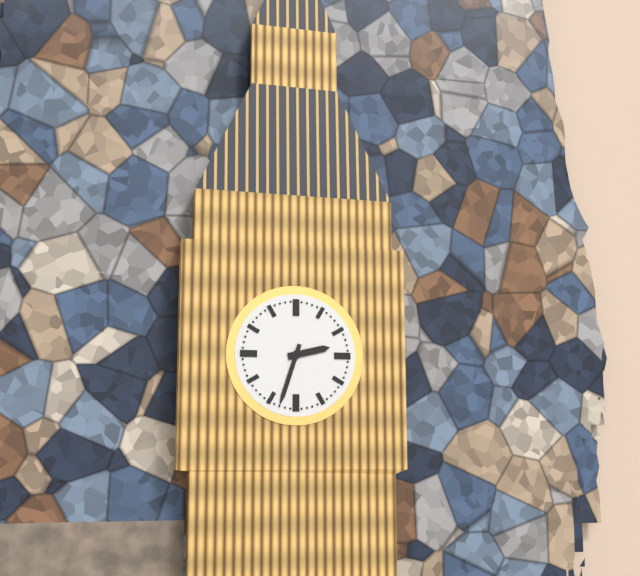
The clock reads 2h33
